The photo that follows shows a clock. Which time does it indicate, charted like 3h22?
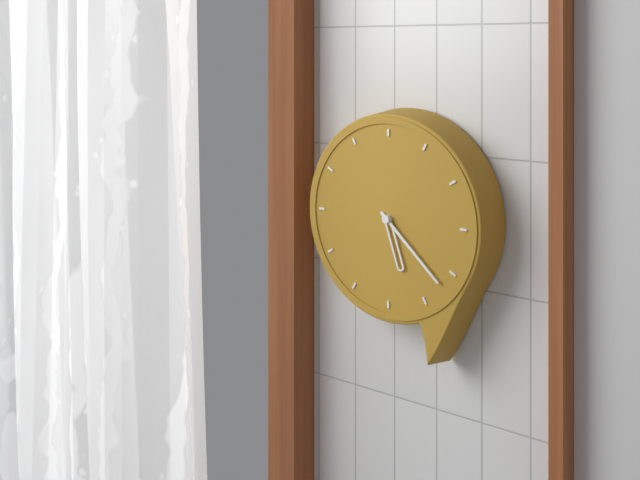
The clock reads 5h22
